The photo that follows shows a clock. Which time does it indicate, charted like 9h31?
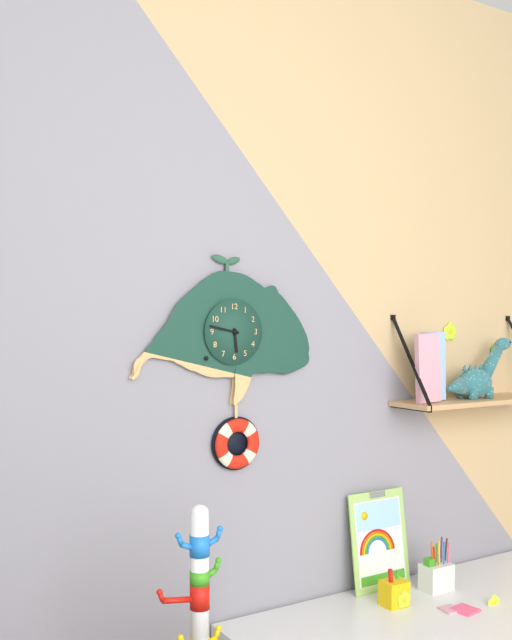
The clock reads 5h47
